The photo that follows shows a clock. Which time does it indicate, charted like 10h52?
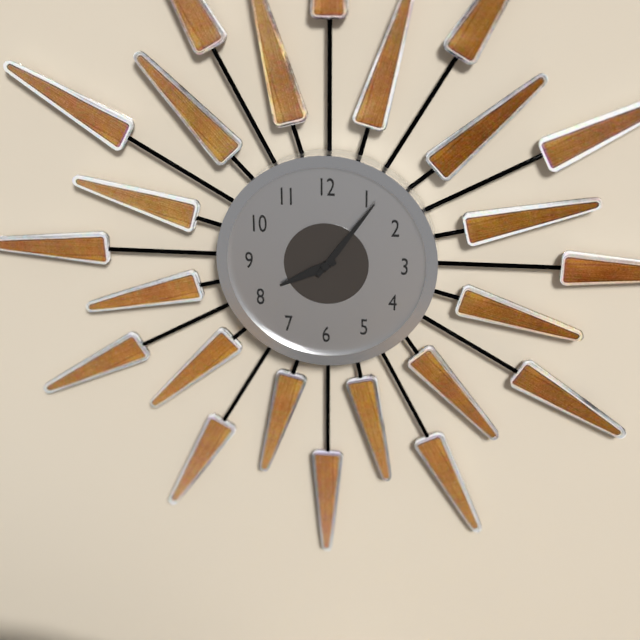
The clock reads 8h06
